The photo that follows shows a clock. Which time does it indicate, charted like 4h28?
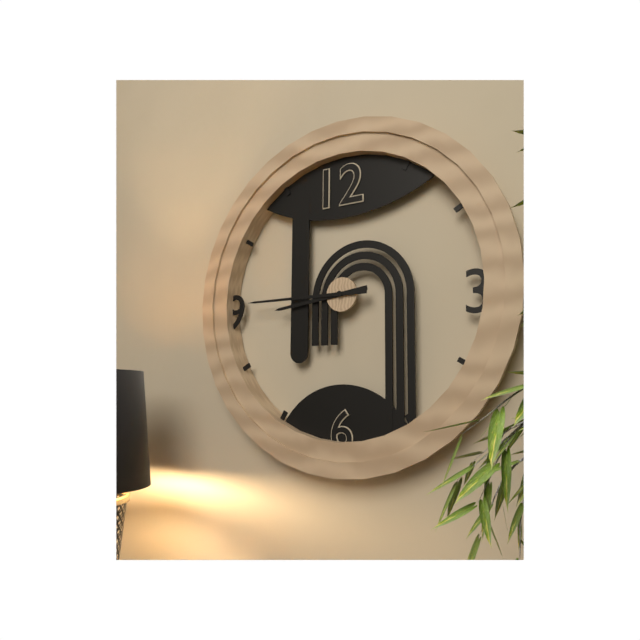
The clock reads 8h45
